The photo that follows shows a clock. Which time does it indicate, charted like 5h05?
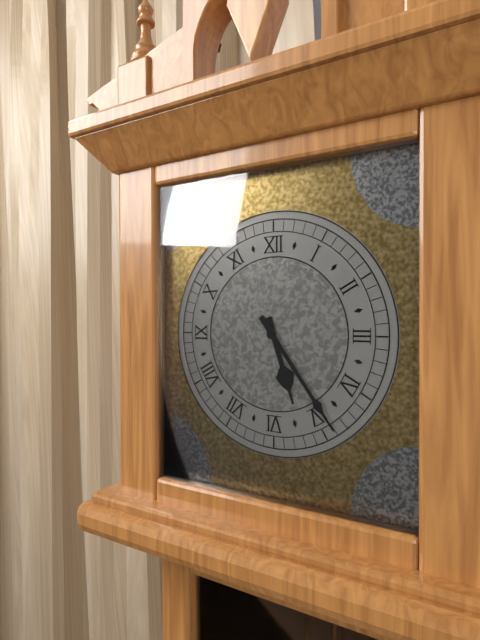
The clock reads 5h24
